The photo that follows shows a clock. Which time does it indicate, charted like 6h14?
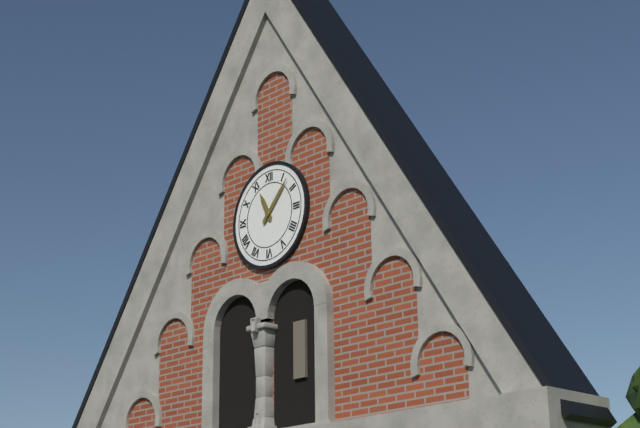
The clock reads 11h07
